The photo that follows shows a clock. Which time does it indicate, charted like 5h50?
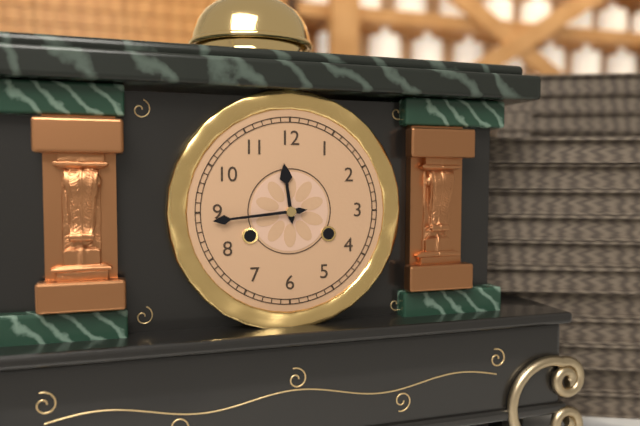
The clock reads 11h44
